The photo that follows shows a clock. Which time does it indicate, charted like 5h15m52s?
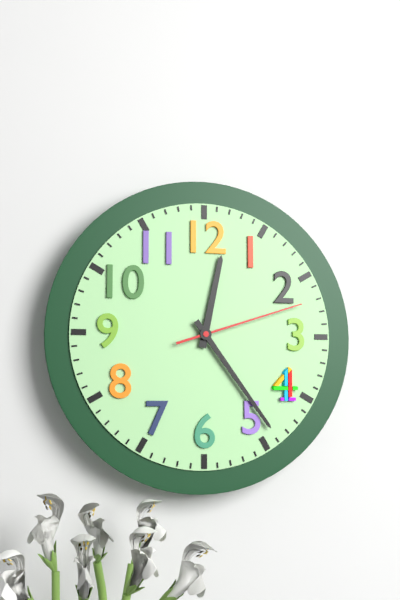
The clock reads 12h24m12s
